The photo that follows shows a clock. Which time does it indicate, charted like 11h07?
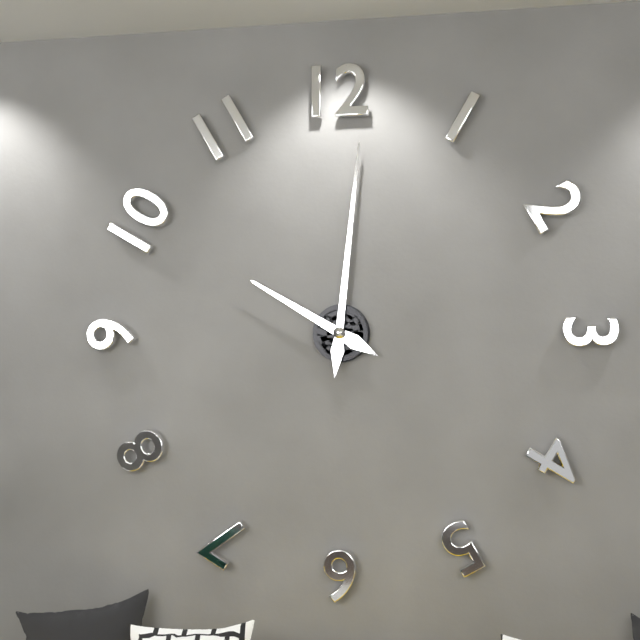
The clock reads 10h01
